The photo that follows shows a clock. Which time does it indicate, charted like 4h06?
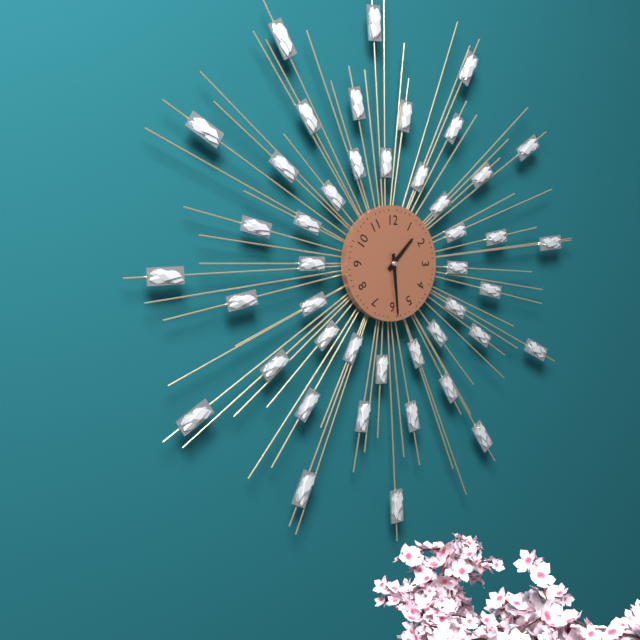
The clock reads 1h29
